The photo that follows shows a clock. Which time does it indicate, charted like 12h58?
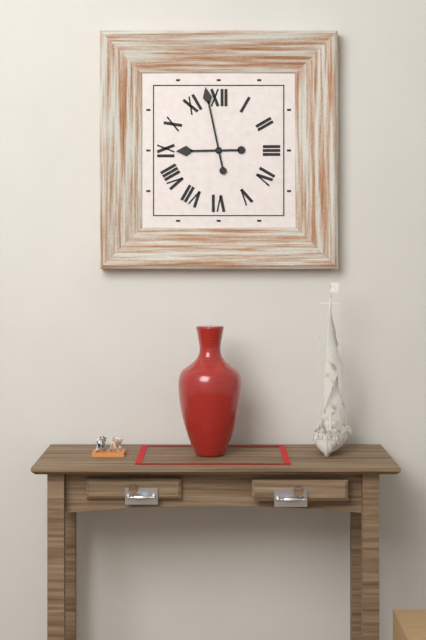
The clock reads 8h58
